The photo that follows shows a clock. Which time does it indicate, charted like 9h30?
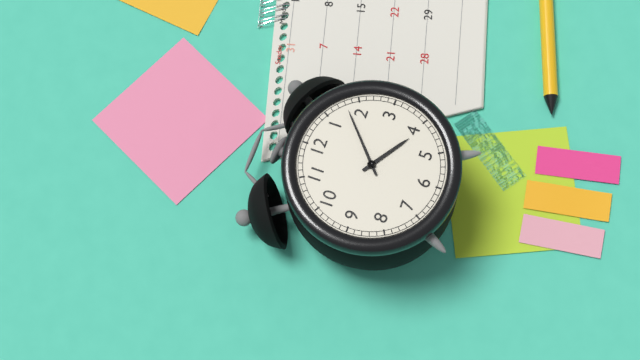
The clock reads 4h08
